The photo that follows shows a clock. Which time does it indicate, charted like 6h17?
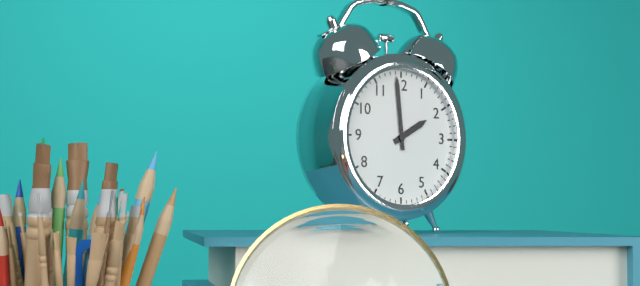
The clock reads 1h59
